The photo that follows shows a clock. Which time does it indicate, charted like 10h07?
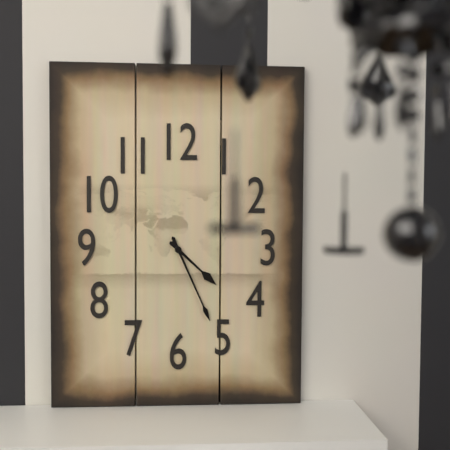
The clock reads 4h26
